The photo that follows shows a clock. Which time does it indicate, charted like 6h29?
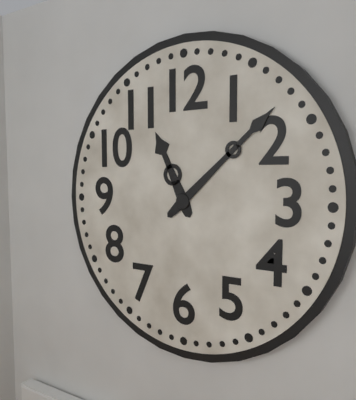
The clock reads 11h08
